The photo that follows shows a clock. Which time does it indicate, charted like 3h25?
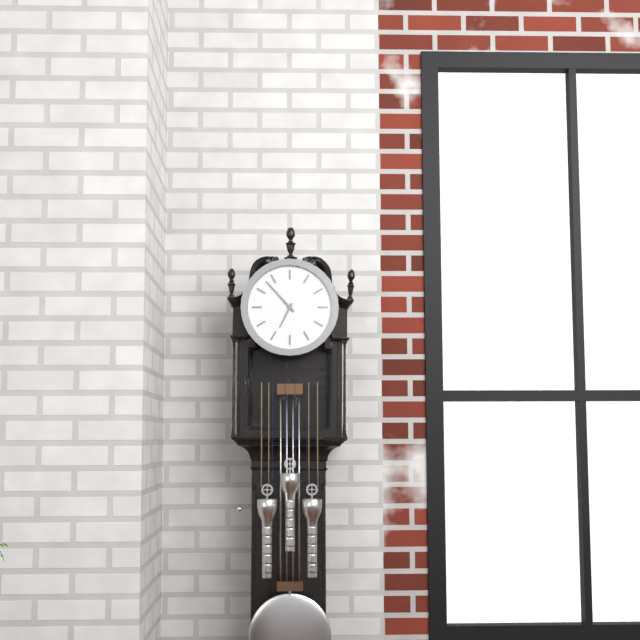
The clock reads 6h53
